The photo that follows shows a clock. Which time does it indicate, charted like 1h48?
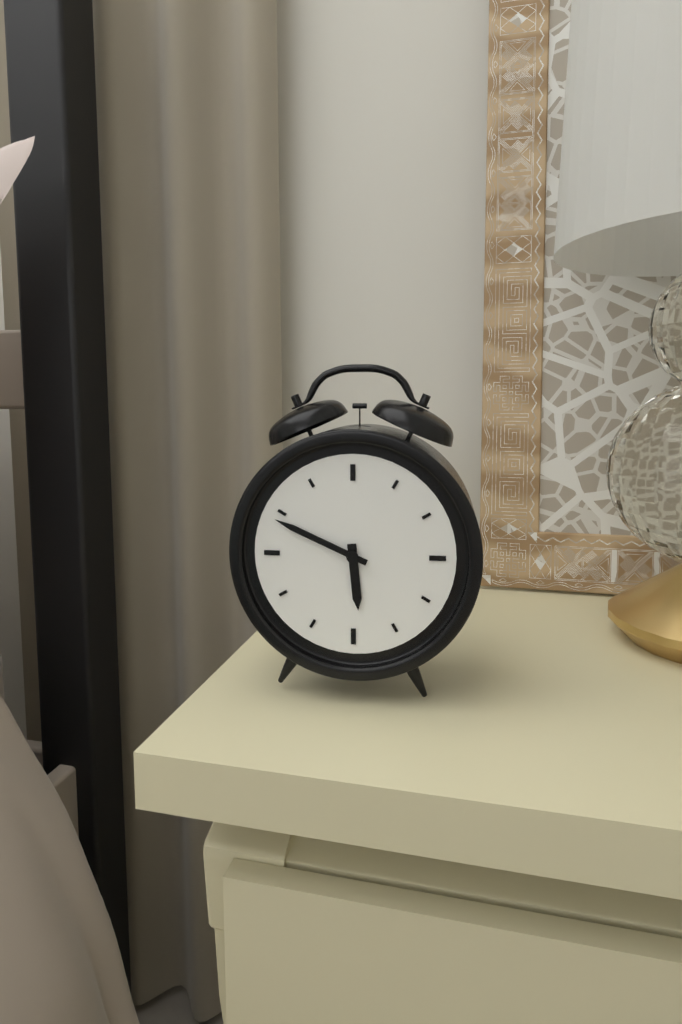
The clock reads 5h49
